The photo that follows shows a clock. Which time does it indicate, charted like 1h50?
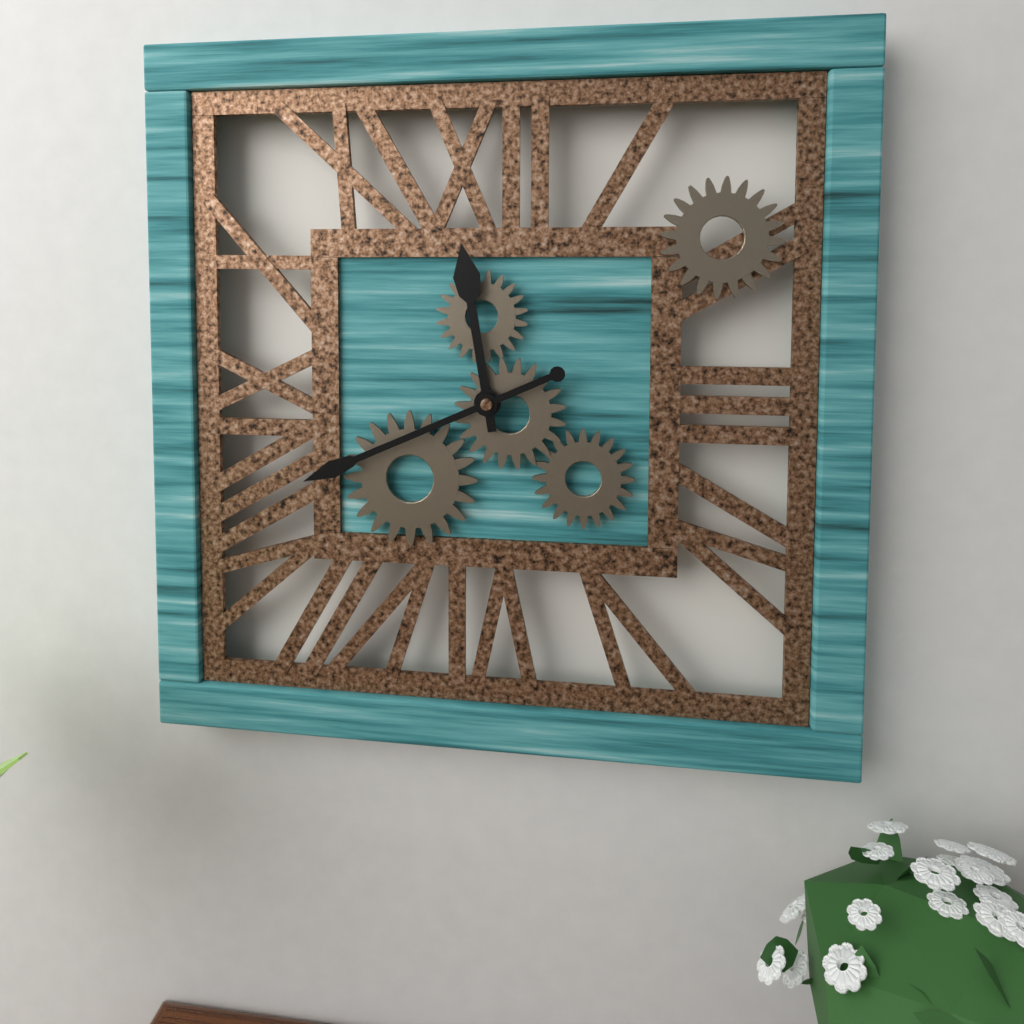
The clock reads 11h41
